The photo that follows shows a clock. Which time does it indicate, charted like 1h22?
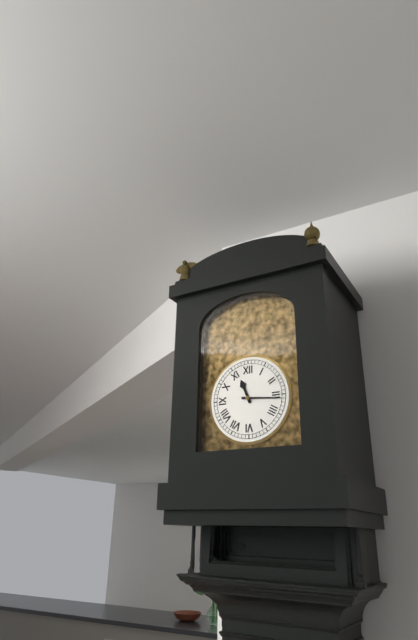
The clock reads 11h16
